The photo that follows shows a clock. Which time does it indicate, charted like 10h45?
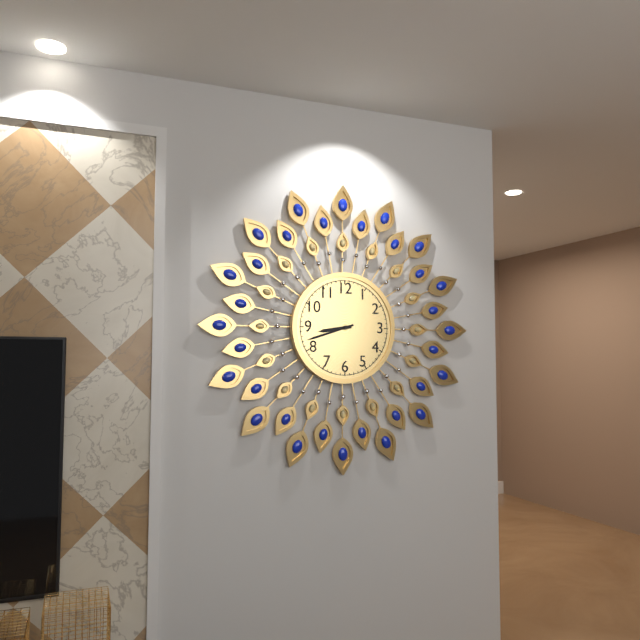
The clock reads 8h42
